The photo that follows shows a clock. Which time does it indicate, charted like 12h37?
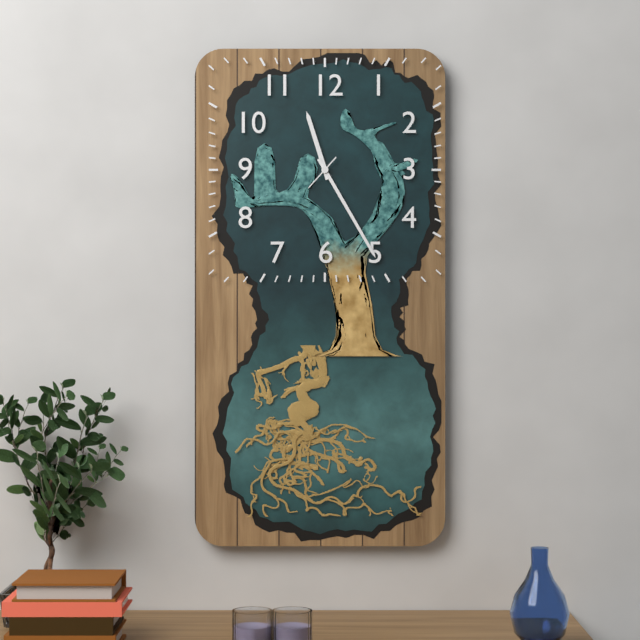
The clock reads 11h25
